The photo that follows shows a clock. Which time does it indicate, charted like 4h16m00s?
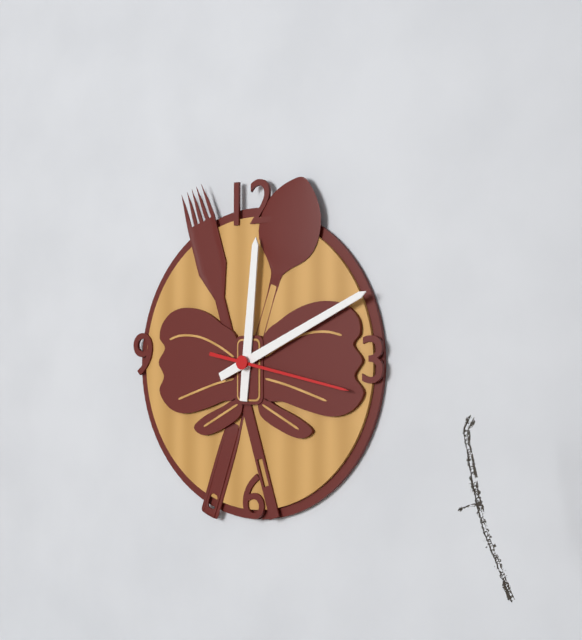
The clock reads 12h11m17s
